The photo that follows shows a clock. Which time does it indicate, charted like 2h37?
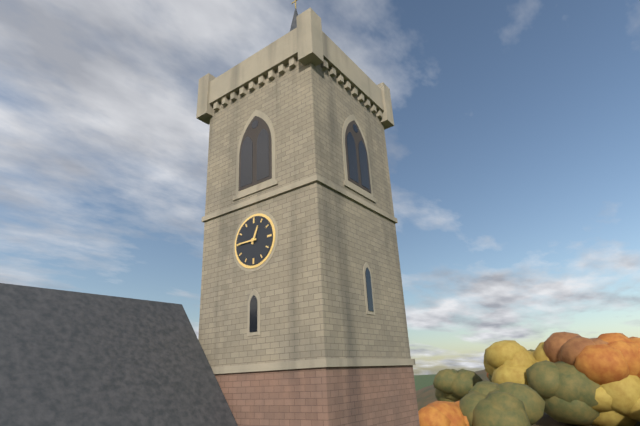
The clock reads 12h45
